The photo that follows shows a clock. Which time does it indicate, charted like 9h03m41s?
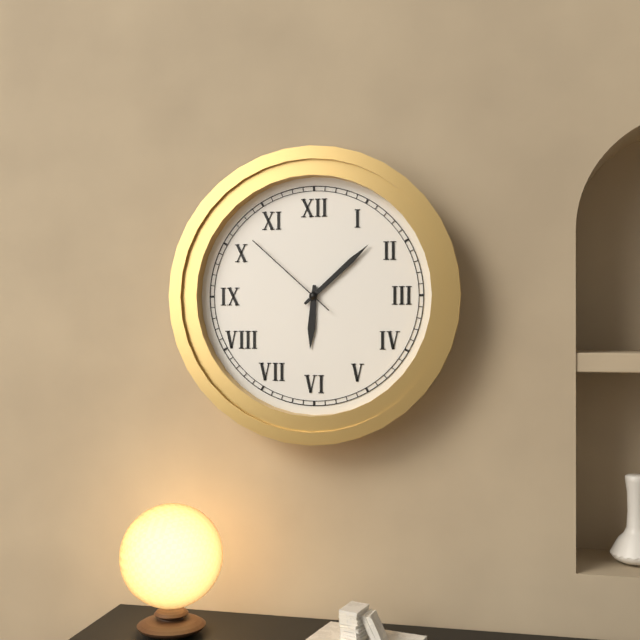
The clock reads 6h08m52s
